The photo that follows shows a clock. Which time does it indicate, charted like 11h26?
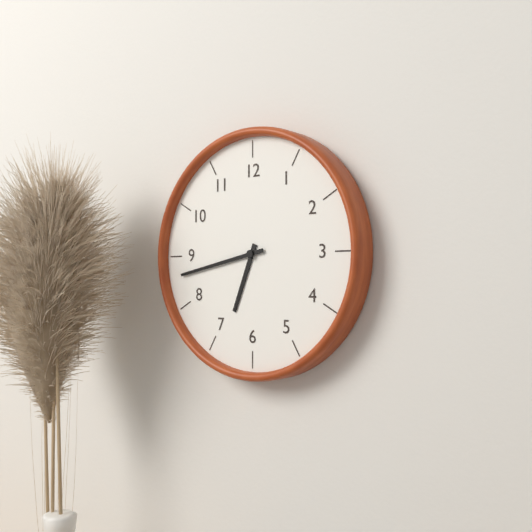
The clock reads 6h43
